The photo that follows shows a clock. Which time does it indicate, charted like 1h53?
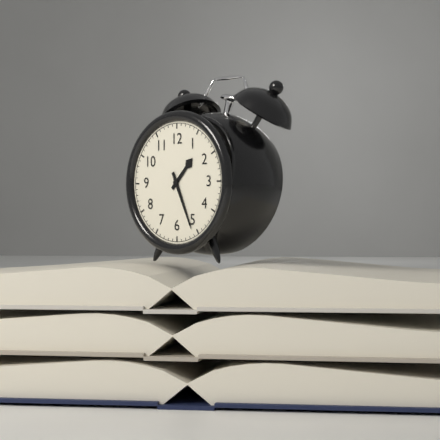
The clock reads 1h26
